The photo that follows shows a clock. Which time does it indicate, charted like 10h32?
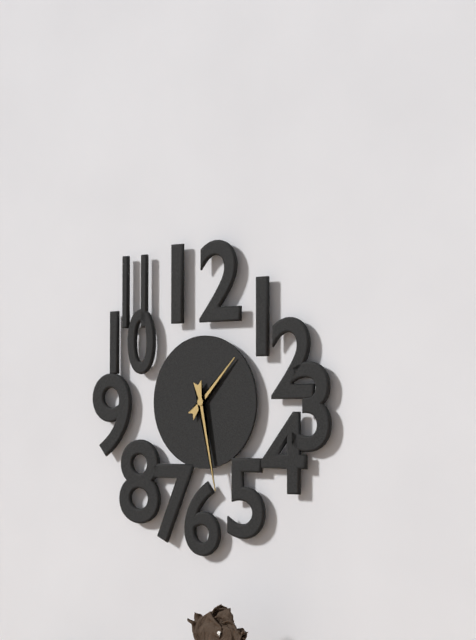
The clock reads 1h28
